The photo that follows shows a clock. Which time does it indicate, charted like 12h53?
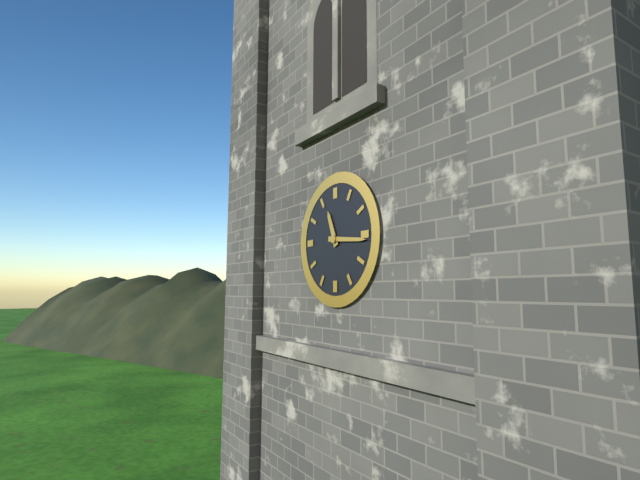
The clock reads 11h16
